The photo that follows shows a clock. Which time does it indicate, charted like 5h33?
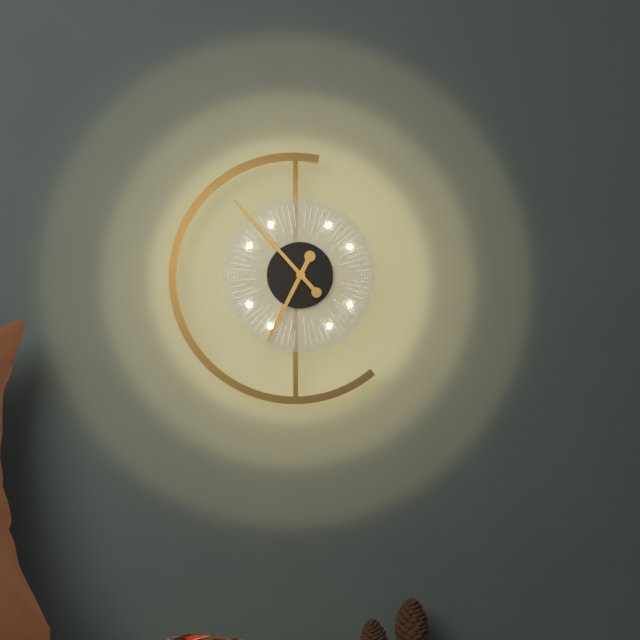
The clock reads 6h53
